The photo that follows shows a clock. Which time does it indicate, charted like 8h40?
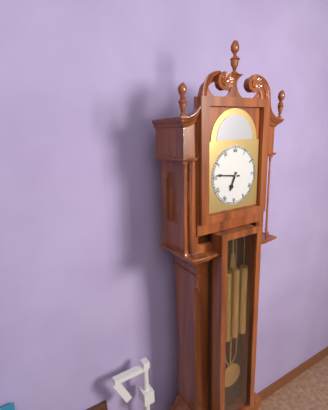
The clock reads 6h46
